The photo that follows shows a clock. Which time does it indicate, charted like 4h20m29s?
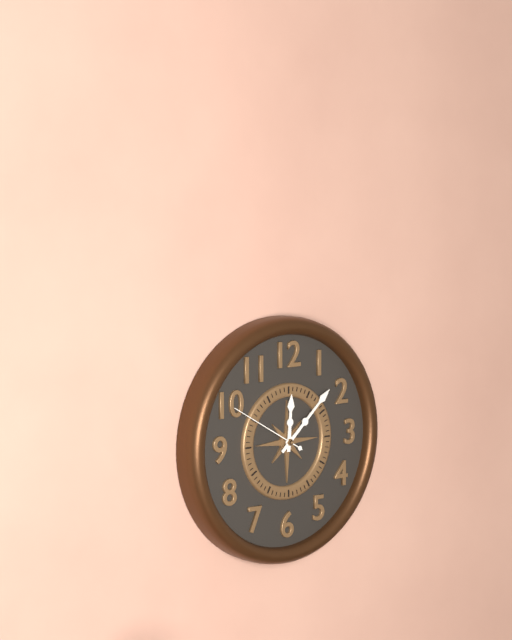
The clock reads 12h08m50s
